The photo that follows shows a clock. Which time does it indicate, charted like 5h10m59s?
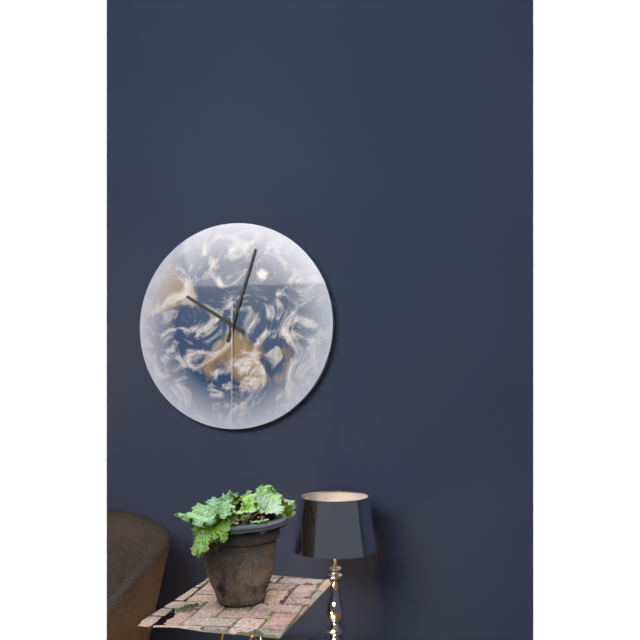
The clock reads 10h03m30s
